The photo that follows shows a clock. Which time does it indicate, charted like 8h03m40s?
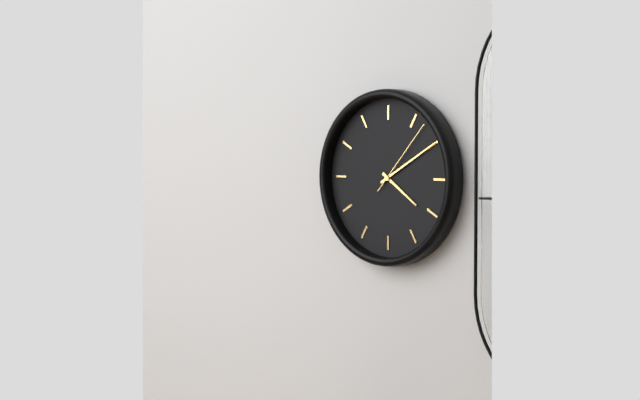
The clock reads 4h10m07s
